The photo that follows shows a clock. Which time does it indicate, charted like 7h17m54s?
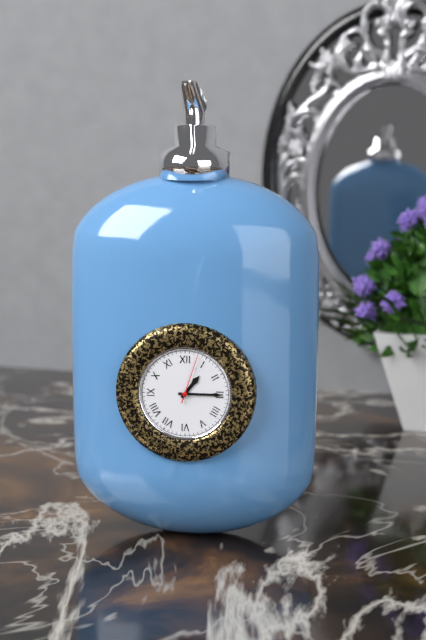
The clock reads 1h15m03s
